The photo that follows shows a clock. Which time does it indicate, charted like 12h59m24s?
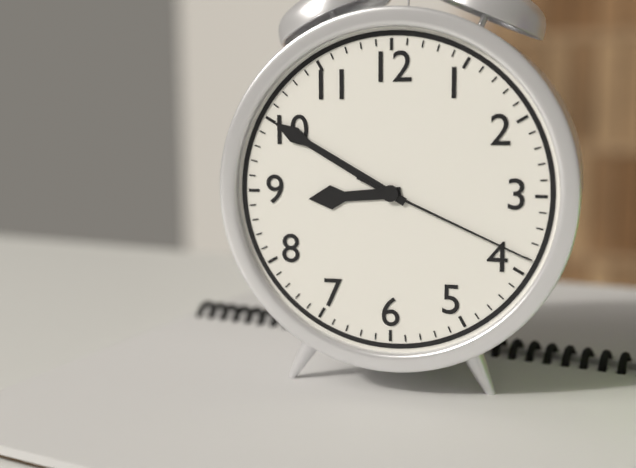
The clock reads 8h50m19s
